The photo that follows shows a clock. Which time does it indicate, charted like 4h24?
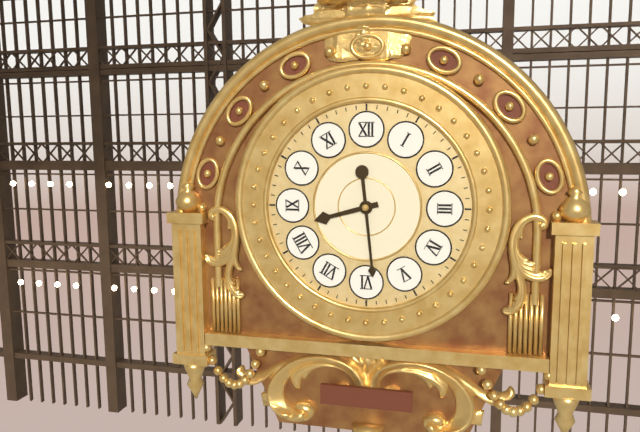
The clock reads 8h29
